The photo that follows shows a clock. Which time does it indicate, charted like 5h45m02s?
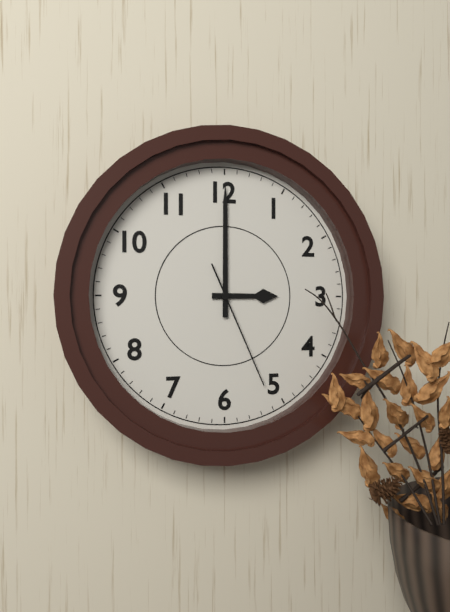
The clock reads 3h00m26s
